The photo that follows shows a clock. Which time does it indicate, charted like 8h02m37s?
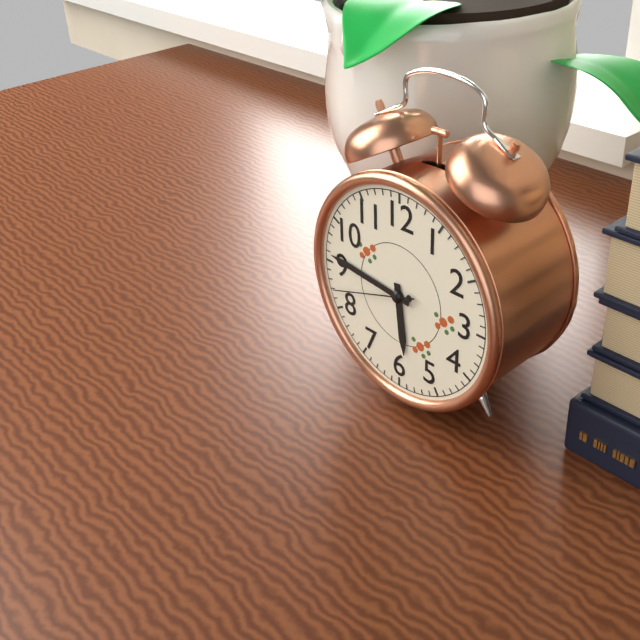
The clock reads 5h46m42s
